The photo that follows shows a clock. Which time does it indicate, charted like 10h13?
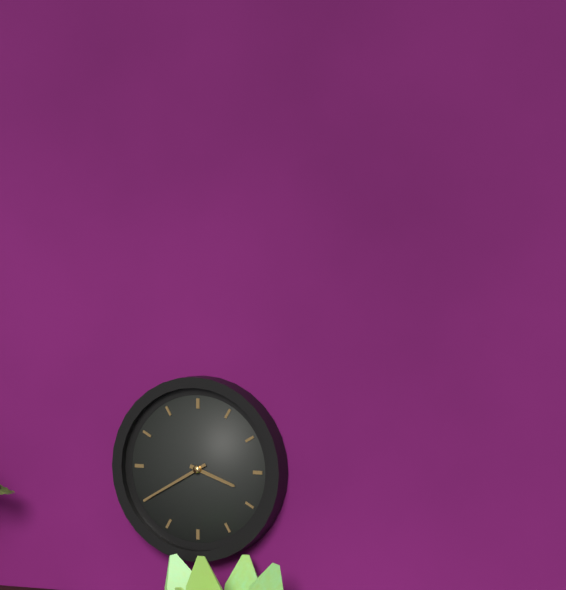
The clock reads 3h40
